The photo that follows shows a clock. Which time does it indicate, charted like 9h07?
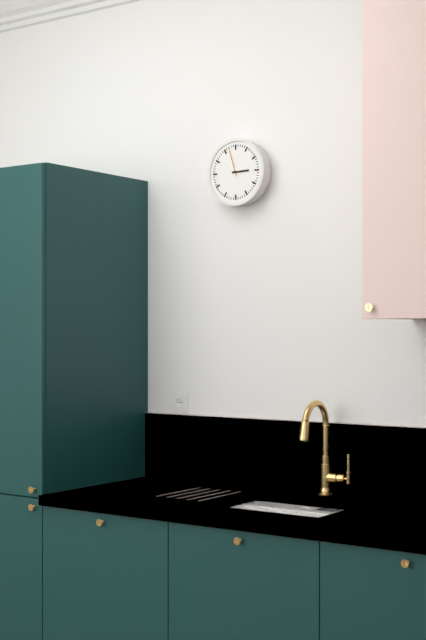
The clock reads 2h57
